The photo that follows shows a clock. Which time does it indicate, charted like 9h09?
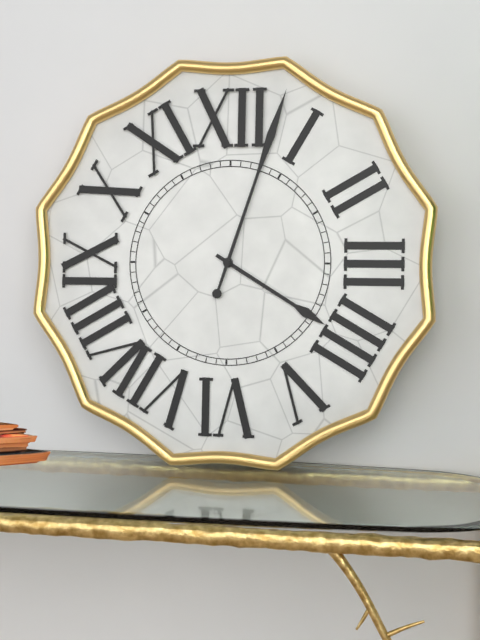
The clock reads 4h03
